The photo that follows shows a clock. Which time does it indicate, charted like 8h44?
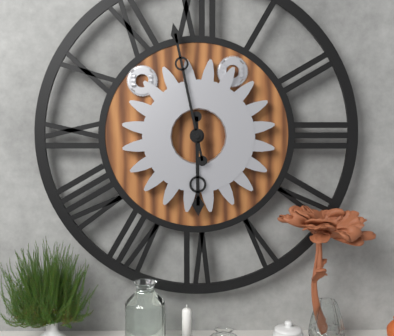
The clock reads 5h58
